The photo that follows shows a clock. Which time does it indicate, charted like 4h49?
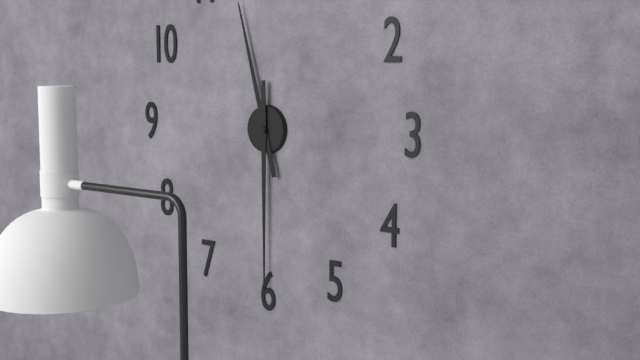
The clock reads 11h30
